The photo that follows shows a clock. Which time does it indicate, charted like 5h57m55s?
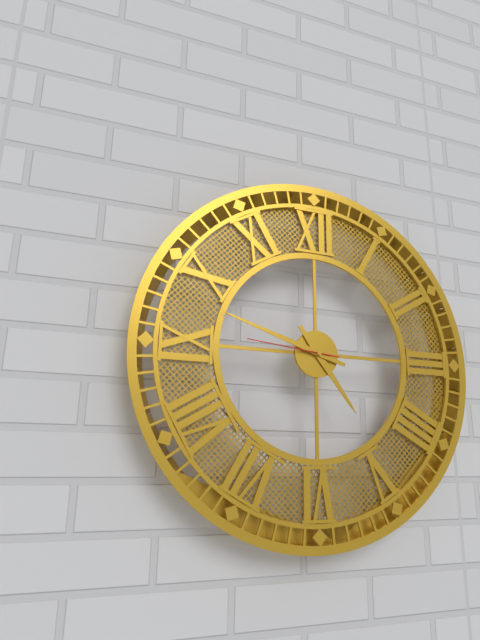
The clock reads 4h48m46s
